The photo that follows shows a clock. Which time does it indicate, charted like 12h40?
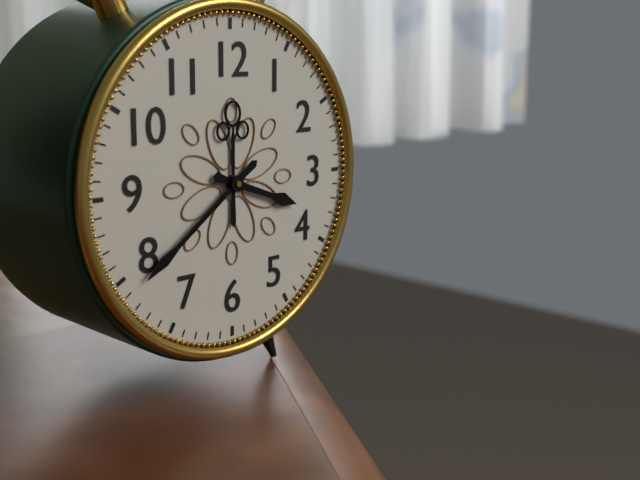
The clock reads 3h39
